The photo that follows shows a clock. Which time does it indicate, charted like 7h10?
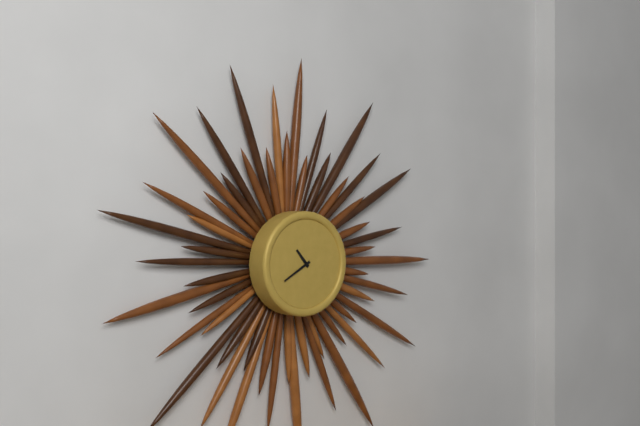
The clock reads 10h40
